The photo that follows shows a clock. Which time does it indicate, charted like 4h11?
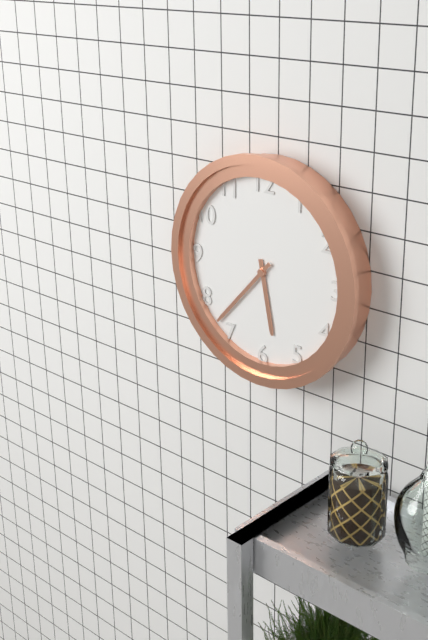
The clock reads 5h37
